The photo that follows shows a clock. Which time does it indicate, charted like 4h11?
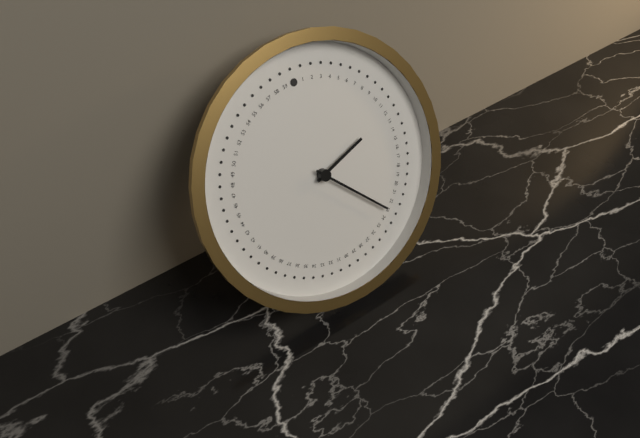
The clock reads 2h23
